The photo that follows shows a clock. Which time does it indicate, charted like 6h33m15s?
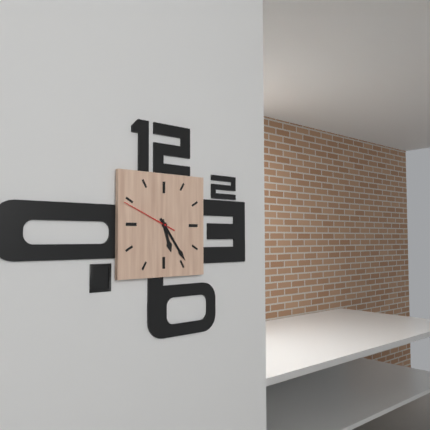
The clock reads 5h24m49s
